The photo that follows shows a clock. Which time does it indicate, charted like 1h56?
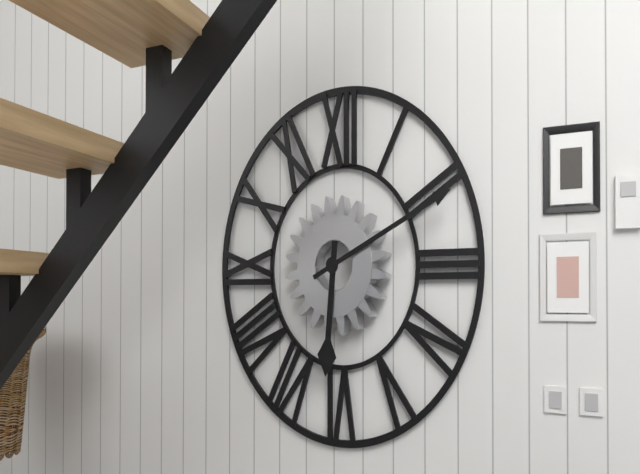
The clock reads 6h11
